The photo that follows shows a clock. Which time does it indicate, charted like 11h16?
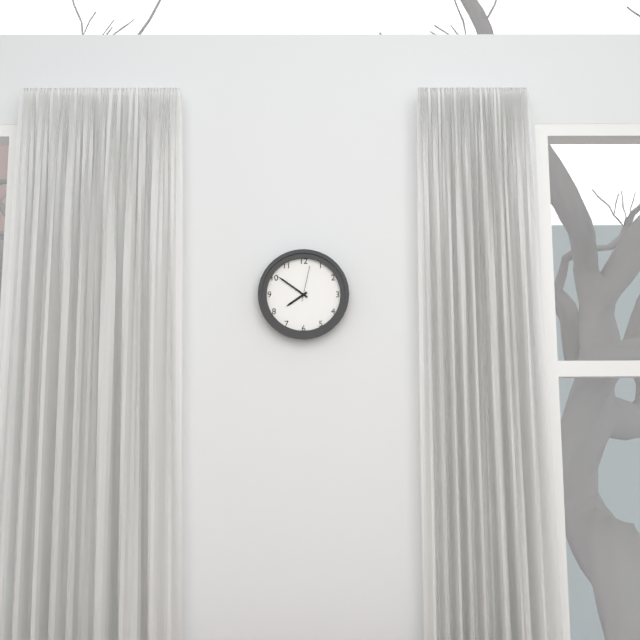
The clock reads 7h51
